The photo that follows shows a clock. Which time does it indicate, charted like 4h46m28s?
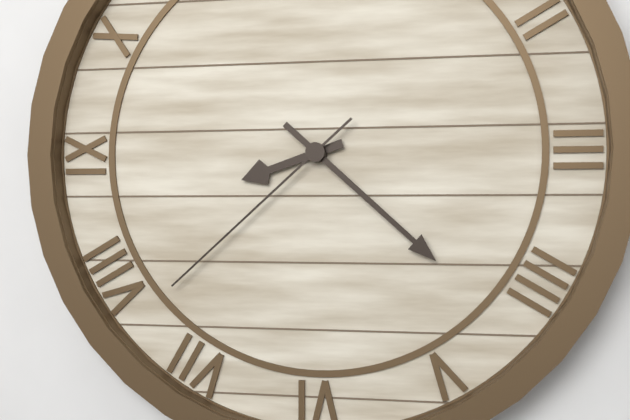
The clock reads 8h22m38s
